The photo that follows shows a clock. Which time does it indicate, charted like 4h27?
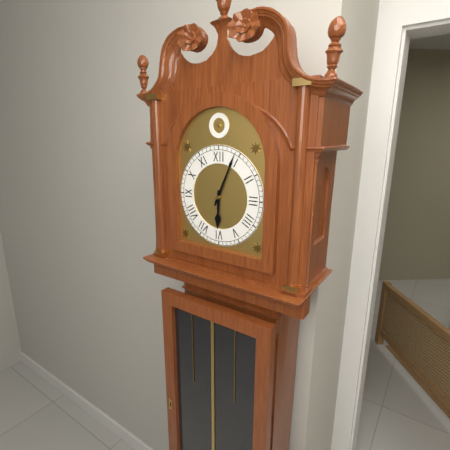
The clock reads 6h04
